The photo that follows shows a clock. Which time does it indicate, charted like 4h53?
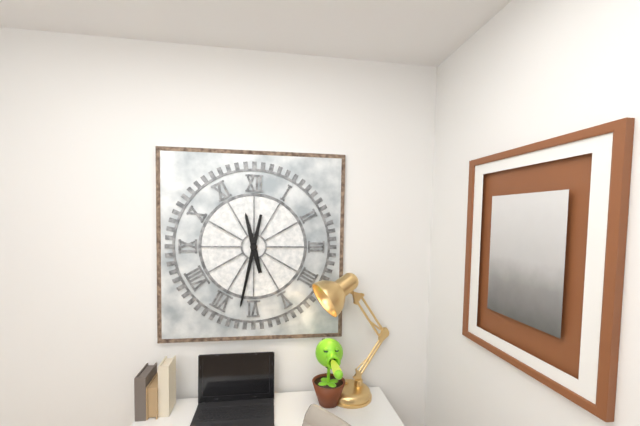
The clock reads 11h32
